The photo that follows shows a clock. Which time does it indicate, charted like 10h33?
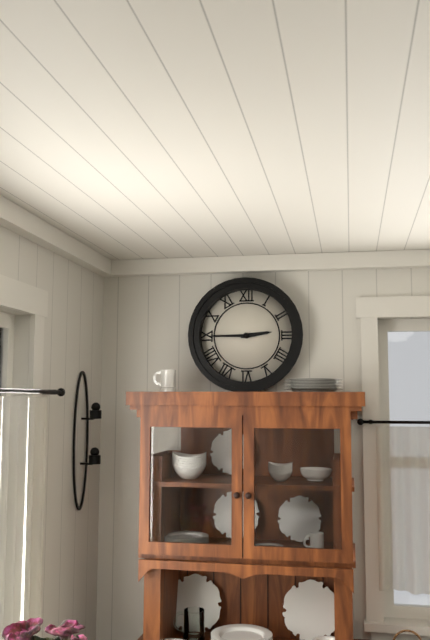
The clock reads 2h45
